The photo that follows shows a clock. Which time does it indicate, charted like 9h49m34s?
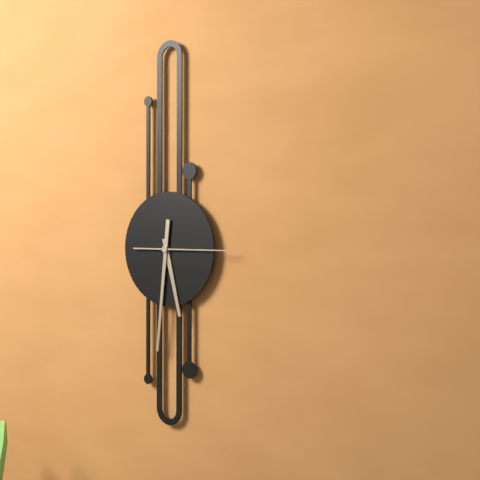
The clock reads 5h31m15s
